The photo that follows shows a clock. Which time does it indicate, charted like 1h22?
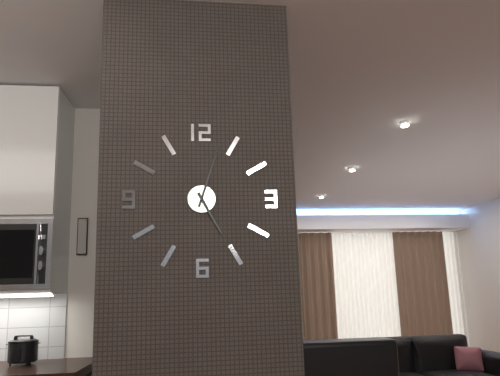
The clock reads 5h03
